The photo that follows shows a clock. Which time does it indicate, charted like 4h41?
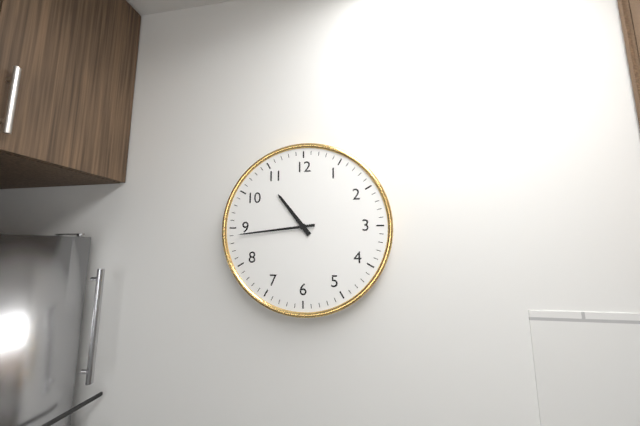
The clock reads 10h44
